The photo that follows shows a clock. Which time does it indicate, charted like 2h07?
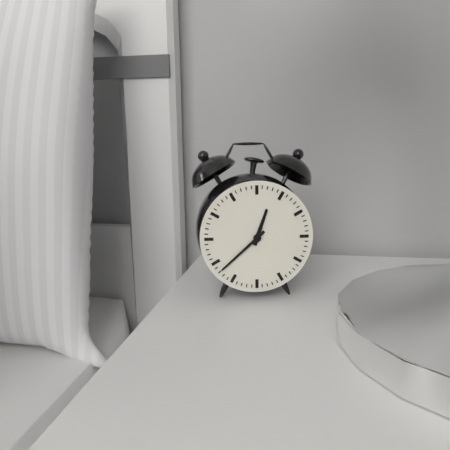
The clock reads 12h38
